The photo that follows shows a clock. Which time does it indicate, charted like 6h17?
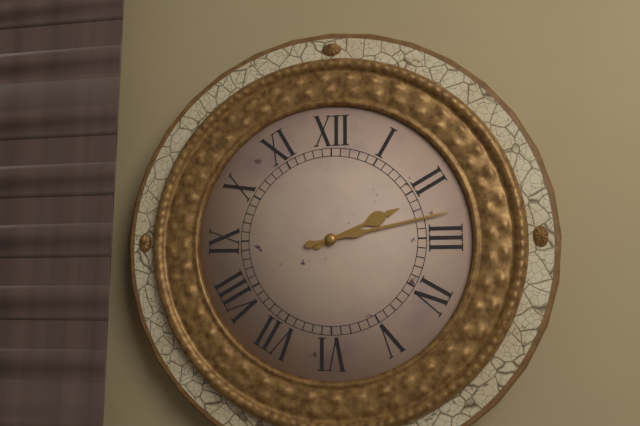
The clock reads 2h13
